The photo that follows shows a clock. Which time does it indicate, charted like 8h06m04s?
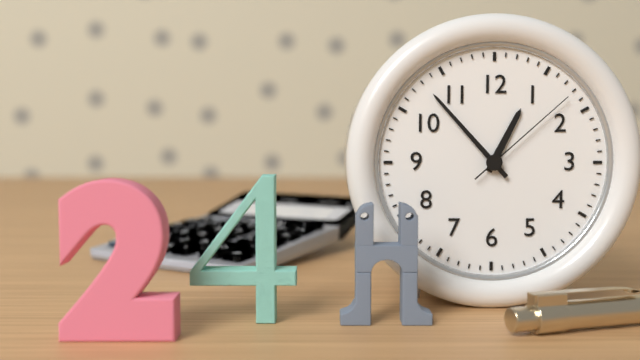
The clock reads 12h53m08s
